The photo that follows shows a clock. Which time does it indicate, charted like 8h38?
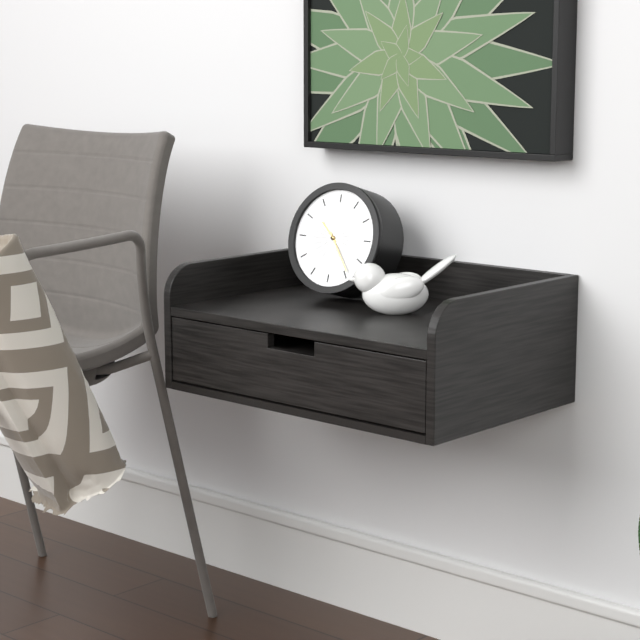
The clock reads 10h24
